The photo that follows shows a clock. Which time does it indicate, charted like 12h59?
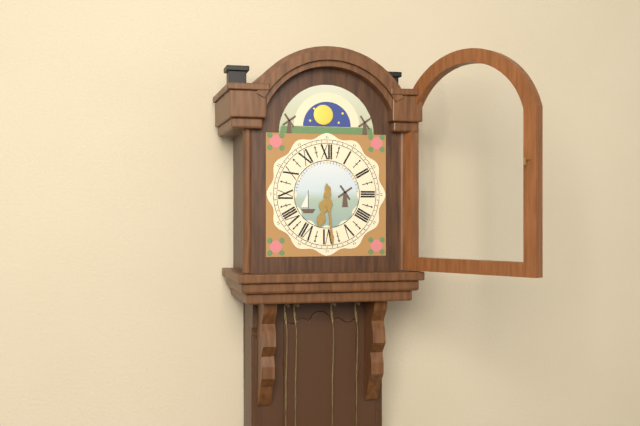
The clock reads 6h29
